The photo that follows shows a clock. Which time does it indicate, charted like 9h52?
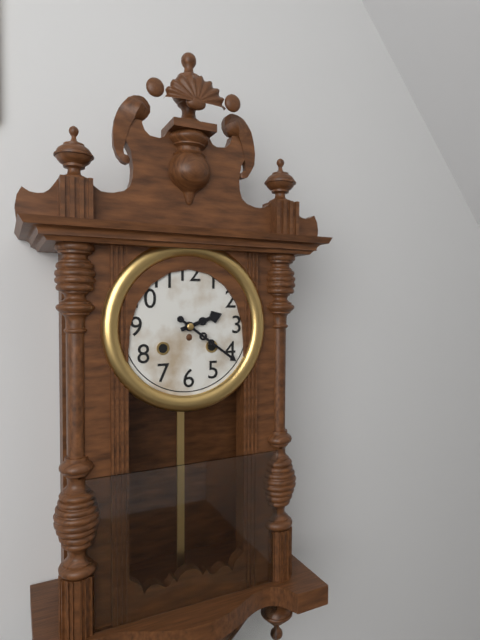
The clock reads 2h21
